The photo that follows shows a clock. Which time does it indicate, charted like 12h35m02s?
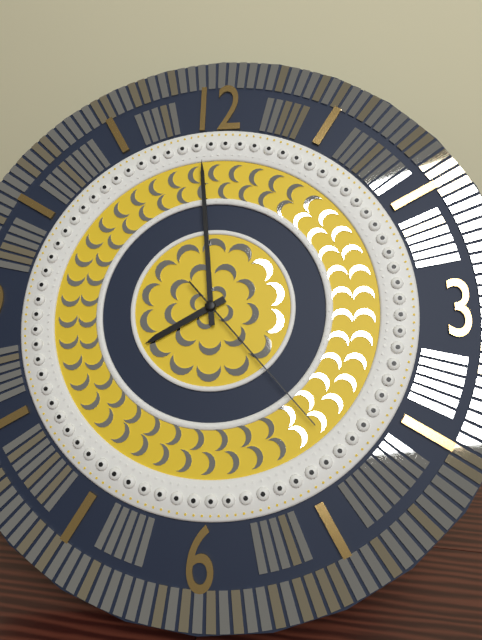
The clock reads 7h59m23s
